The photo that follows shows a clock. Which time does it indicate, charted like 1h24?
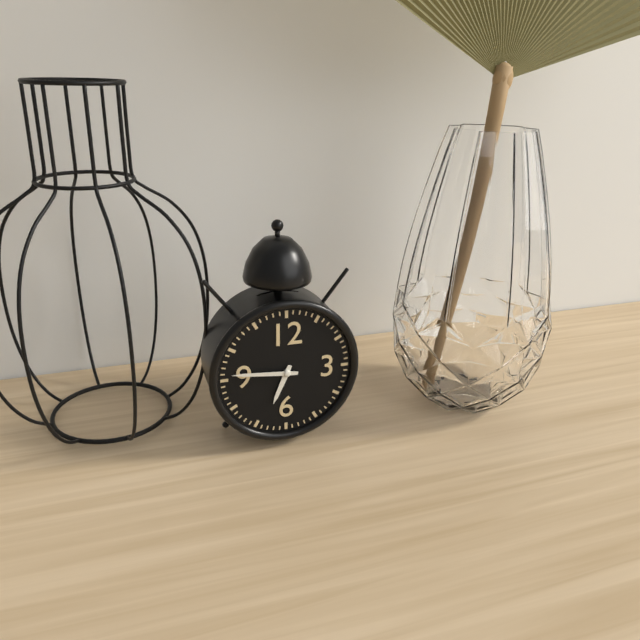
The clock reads 6h46
